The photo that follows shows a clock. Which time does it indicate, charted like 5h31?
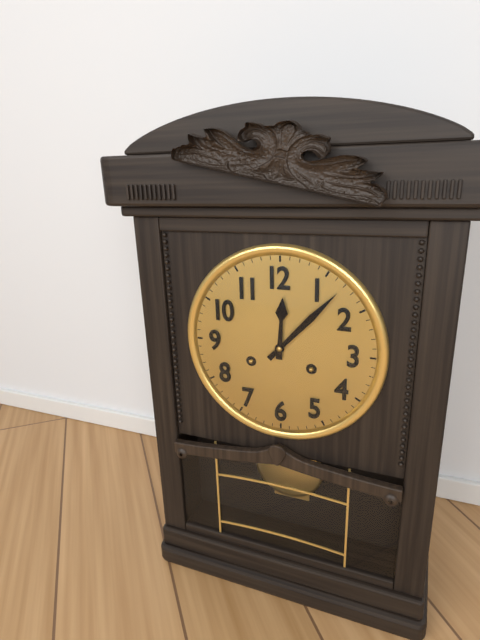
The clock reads 12h07
